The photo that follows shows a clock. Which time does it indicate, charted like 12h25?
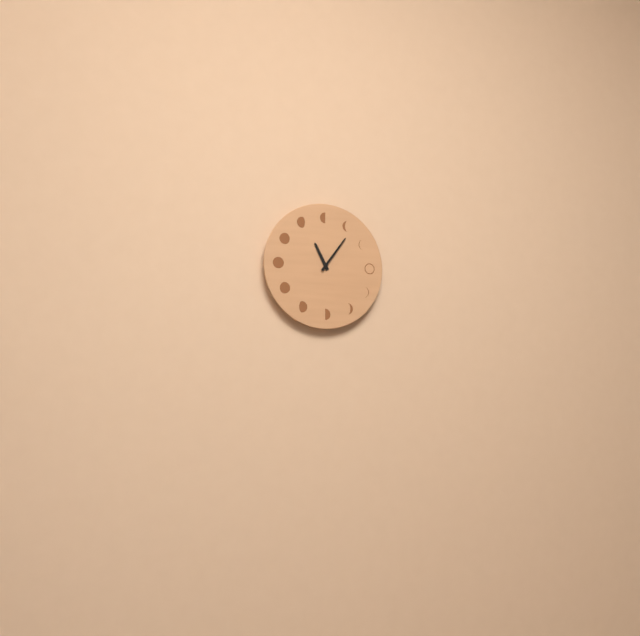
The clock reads 11h06
